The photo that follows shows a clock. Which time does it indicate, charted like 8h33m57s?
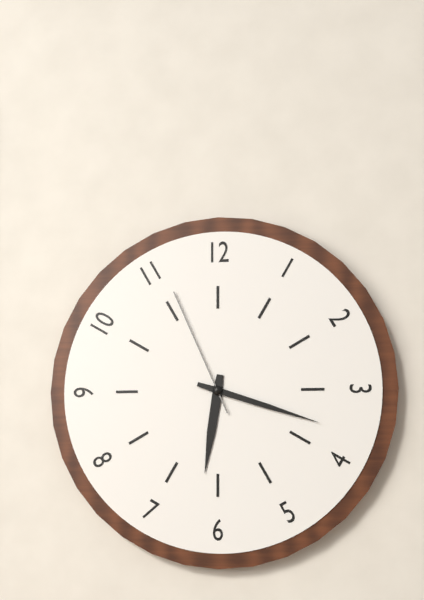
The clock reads 6h18m56s
